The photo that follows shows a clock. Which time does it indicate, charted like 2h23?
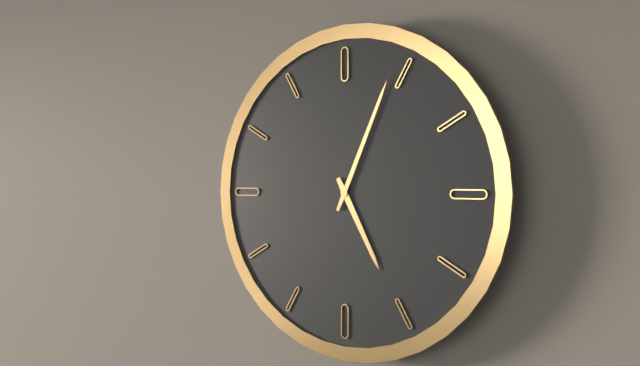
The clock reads 5h04
